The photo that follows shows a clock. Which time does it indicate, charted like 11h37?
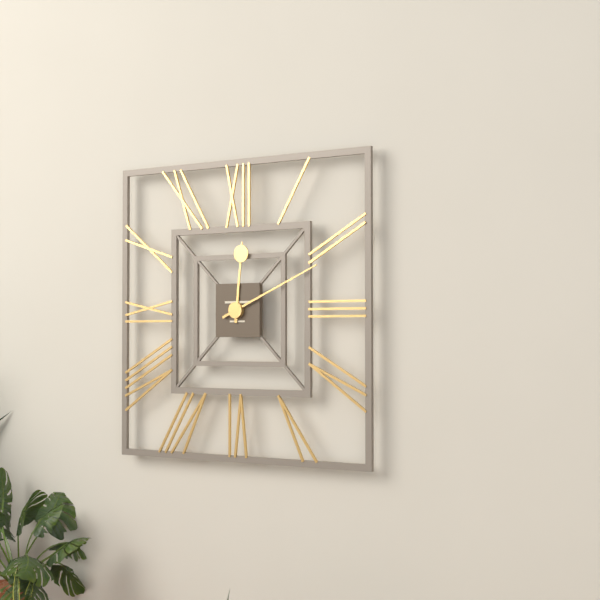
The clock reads 12h11
